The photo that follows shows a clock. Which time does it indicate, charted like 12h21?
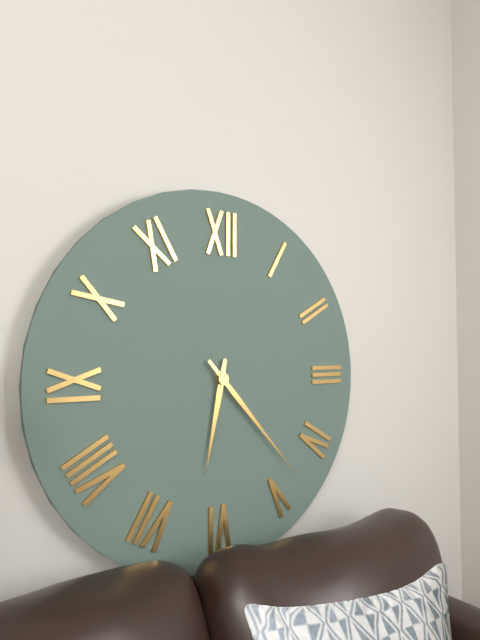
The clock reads 6h23
